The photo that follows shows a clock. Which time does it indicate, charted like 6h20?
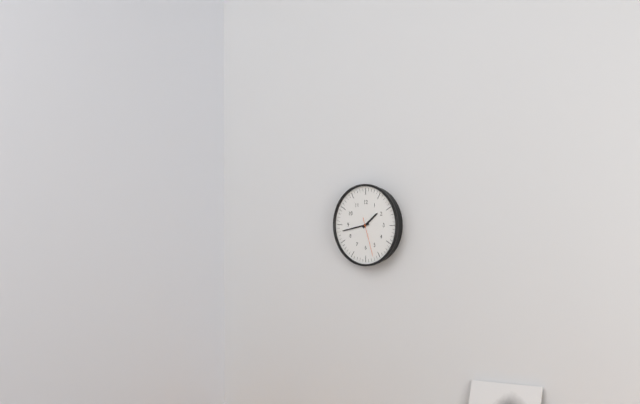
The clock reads 1h43
